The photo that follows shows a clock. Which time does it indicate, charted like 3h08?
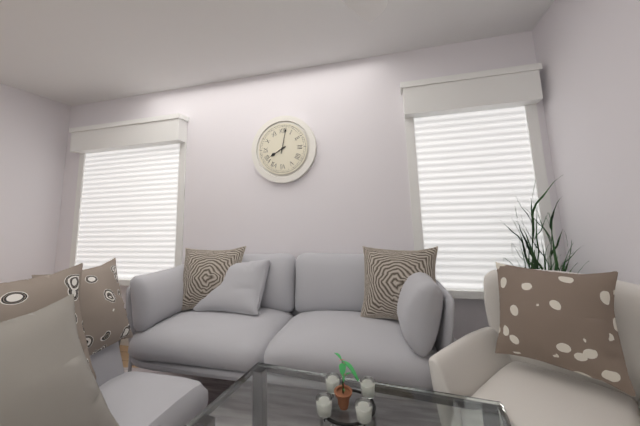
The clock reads 8h02
